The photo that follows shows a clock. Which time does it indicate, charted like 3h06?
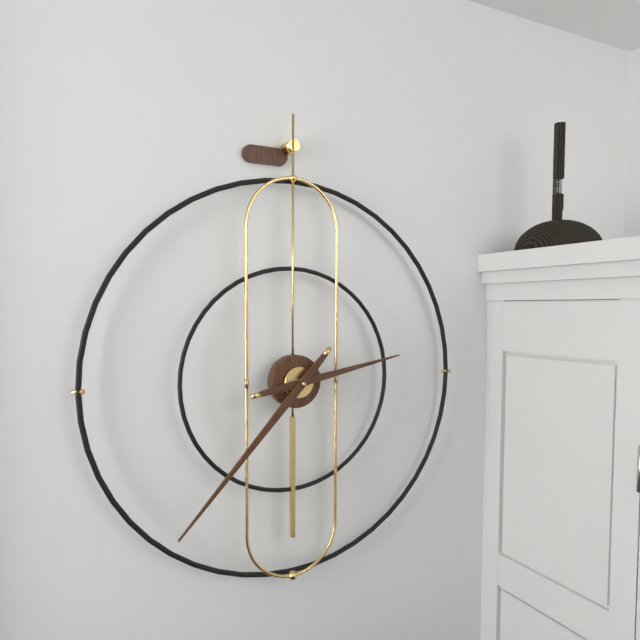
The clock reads 2h37
